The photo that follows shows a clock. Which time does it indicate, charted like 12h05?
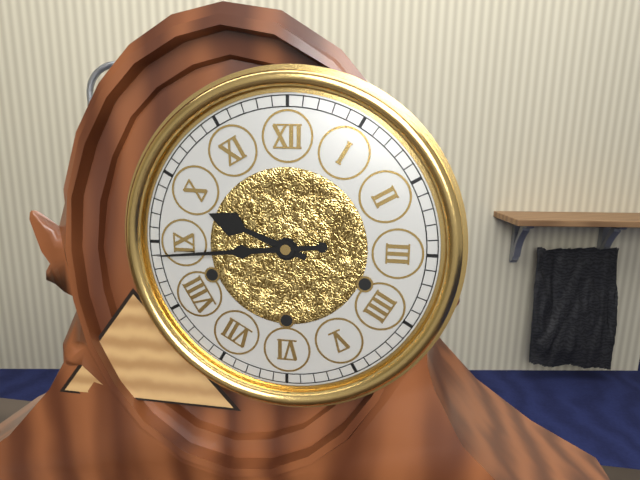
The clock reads 9h44
